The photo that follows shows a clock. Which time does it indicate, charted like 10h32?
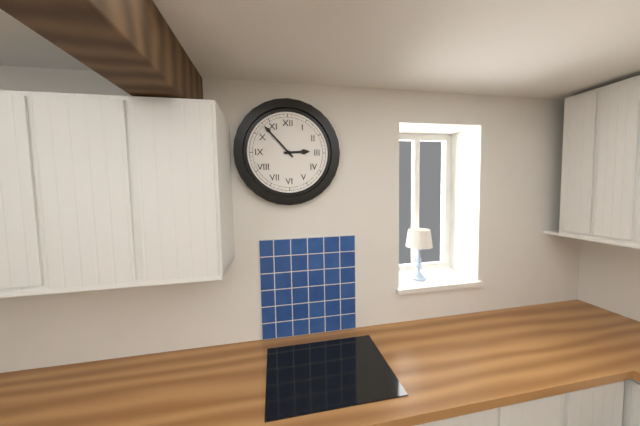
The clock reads 2h53
